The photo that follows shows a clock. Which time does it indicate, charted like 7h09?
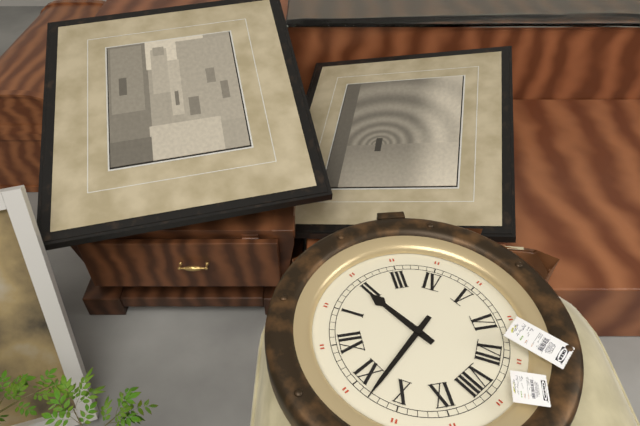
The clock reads 1h53
